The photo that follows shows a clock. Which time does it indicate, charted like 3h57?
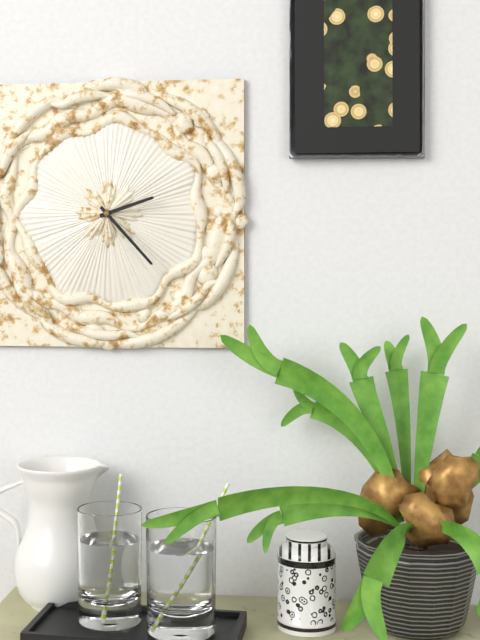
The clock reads 2h23
